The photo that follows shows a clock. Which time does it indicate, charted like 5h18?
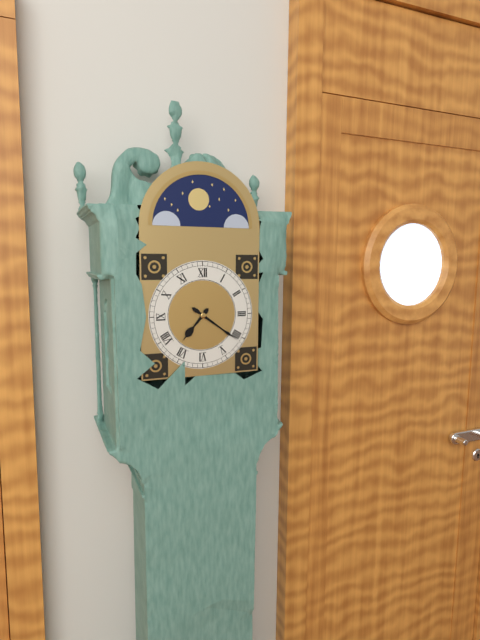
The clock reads 7h21
